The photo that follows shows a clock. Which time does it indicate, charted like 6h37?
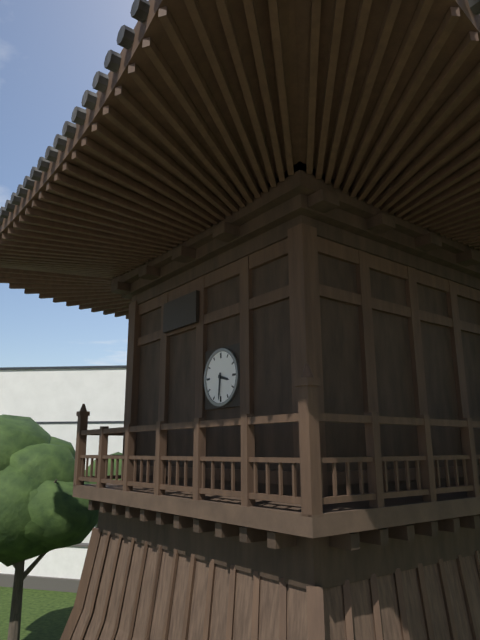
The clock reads 3h31
